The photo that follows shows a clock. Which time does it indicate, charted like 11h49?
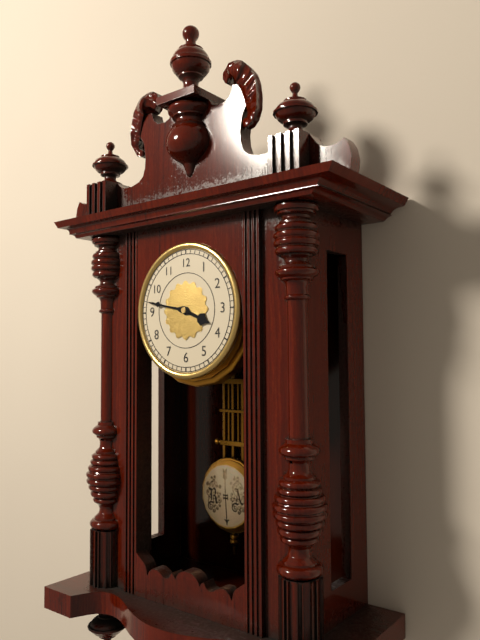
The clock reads 3h47
